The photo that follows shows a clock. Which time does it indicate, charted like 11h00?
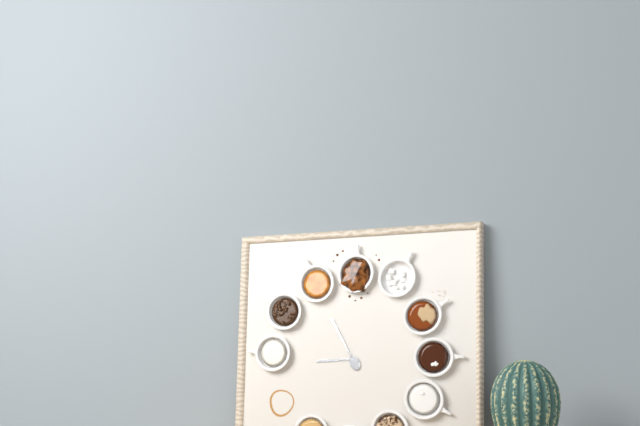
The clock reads 8h55
